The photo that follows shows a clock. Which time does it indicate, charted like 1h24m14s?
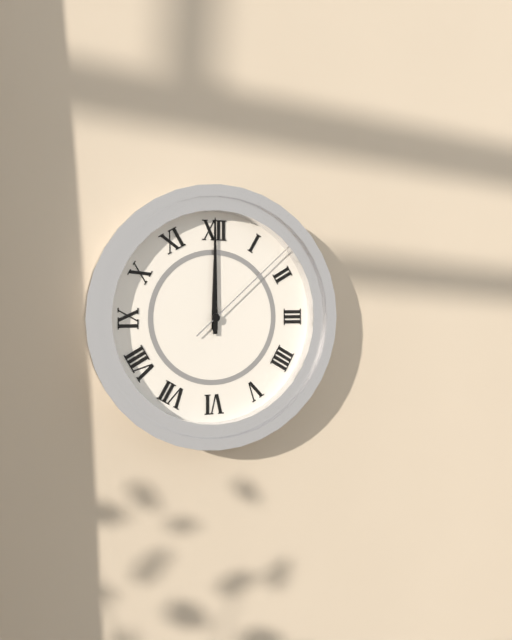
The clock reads 12h00m08s
